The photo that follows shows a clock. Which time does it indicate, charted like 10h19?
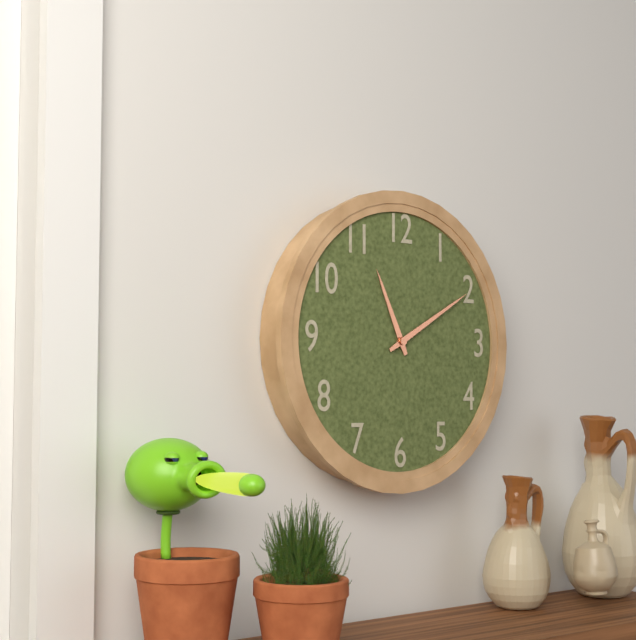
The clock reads 11h10
